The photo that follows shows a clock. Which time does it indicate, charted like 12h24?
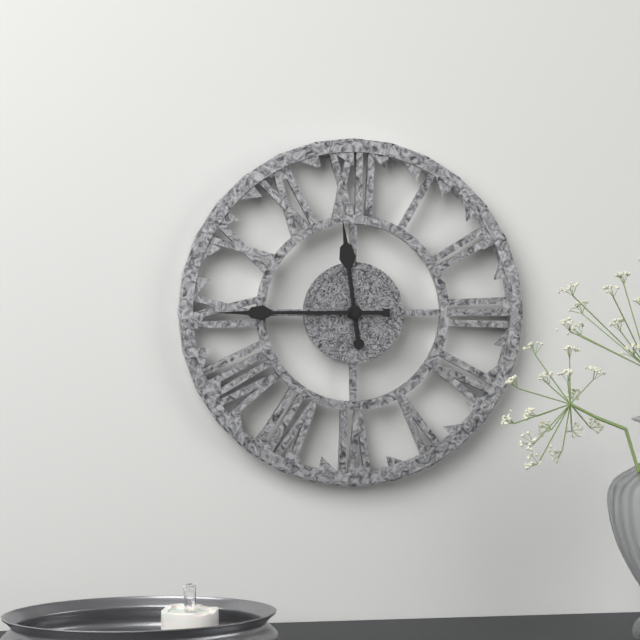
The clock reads 11h45
